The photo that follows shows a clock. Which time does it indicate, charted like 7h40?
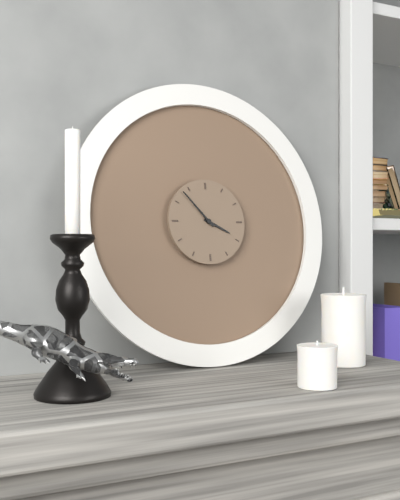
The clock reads 3h53
